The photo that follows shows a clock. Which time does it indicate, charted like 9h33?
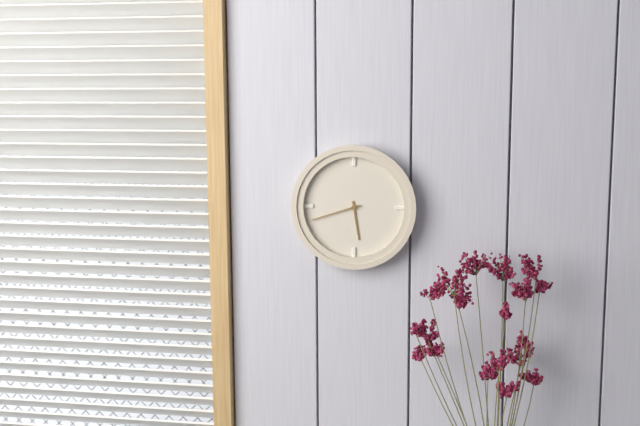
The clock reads 5h42
